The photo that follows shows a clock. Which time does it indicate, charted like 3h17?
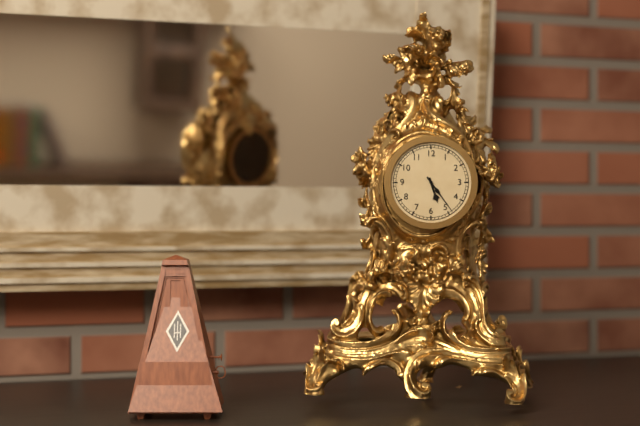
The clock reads 5h24
